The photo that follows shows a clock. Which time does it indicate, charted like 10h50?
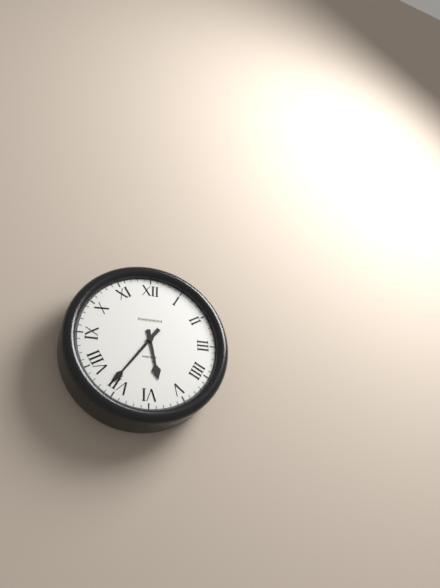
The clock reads 5h36
